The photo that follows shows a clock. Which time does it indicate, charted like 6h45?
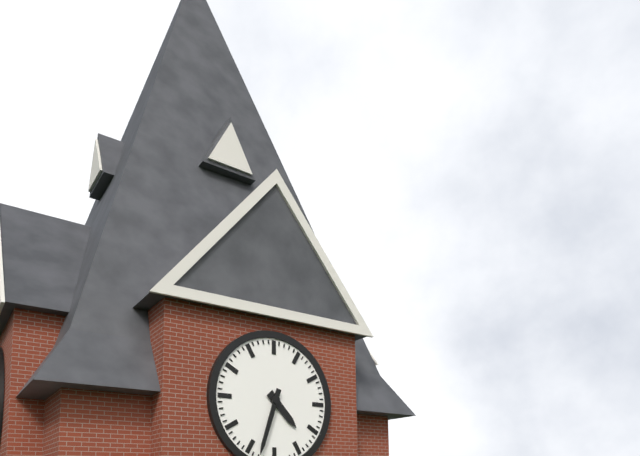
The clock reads 4h33
